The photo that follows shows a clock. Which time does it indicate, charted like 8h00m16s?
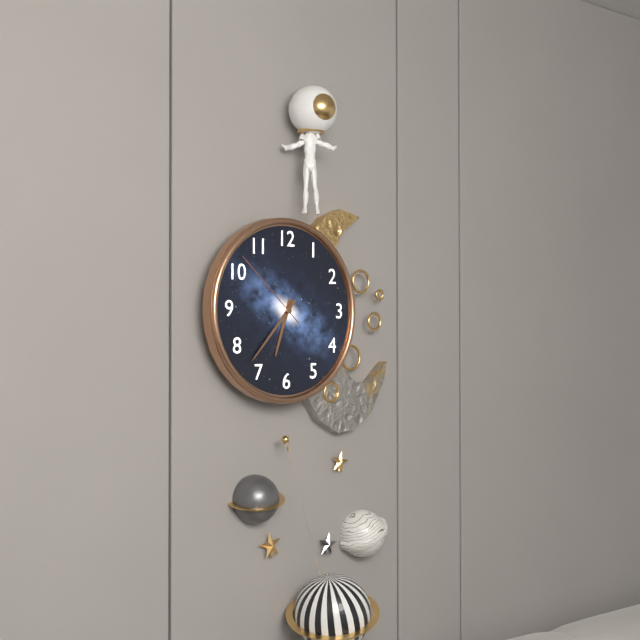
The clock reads 6h37m52s
